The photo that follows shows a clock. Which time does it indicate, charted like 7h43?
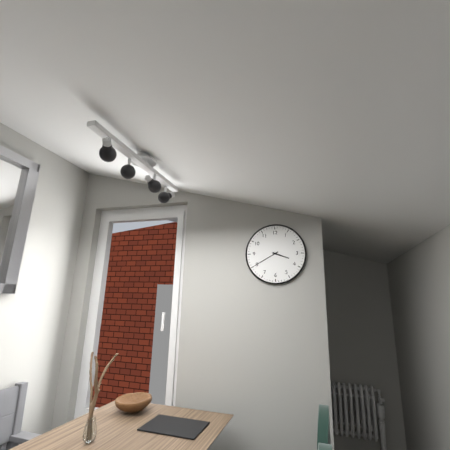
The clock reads 3h40
